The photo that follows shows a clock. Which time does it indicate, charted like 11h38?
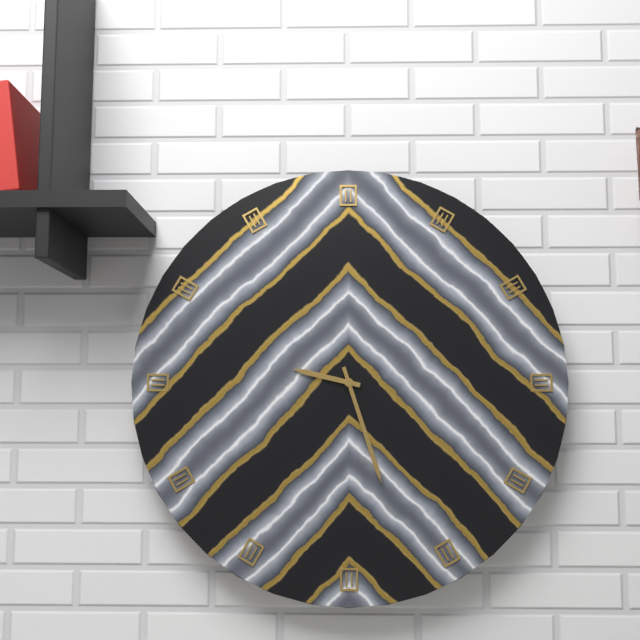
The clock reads 9h27
